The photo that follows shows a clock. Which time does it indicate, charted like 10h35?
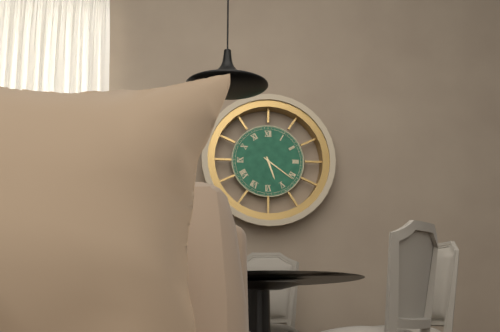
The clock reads 5h21
